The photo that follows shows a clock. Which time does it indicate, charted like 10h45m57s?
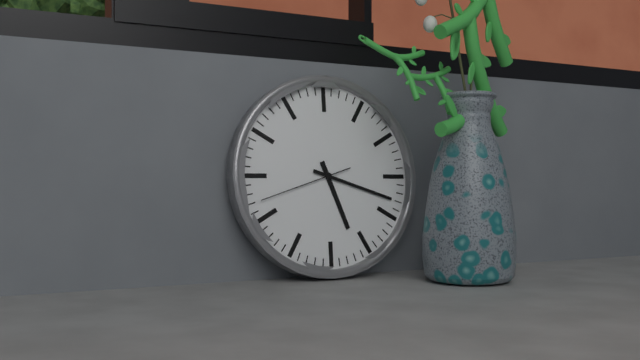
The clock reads 5h18m42s
